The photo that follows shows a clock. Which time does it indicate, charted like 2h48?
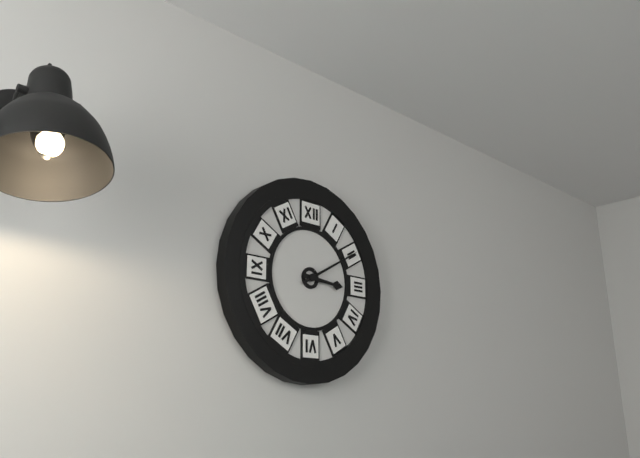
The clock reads 3h10
